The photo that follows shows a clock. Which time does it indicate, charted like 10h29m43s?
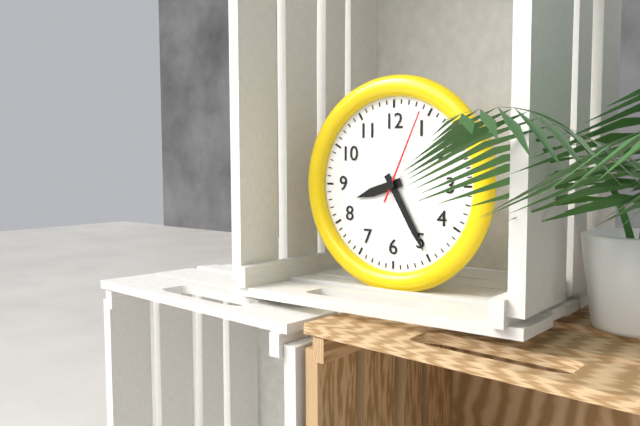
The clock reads 8h25m04s
